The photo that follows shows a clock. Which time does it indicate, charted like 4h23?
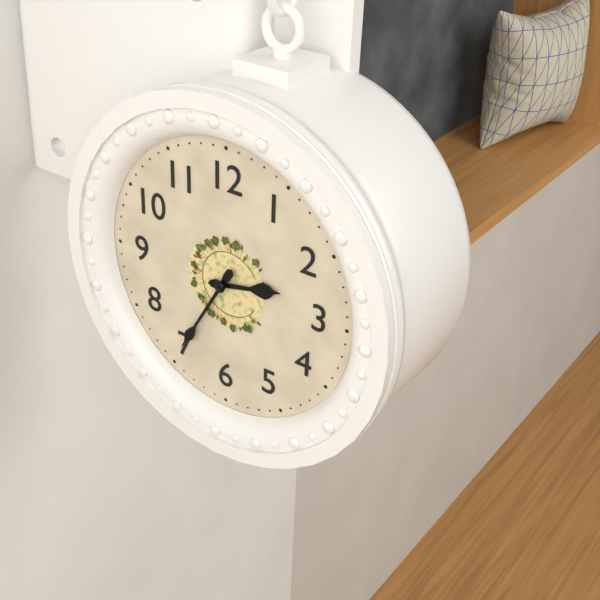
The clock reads 2h35
